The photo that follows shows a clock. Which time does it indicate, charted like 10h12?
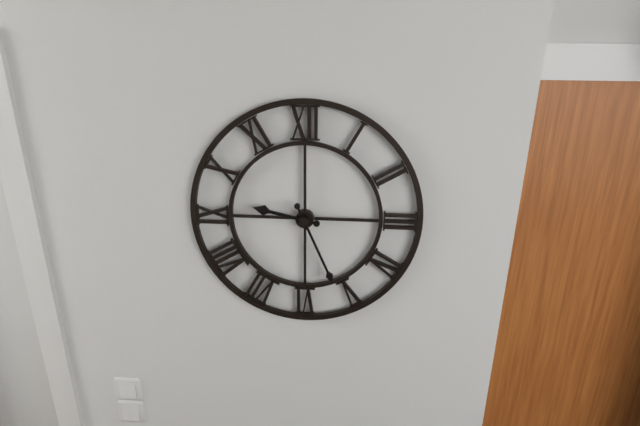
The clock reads 9h26
